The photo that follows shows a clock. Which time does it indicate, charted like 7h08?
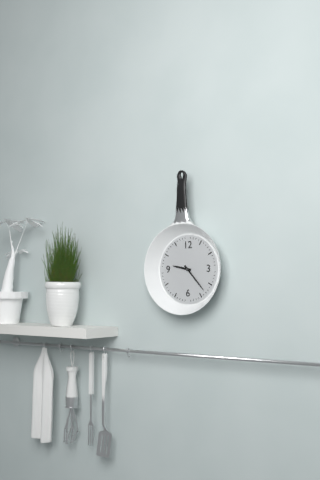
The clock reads 9h23
